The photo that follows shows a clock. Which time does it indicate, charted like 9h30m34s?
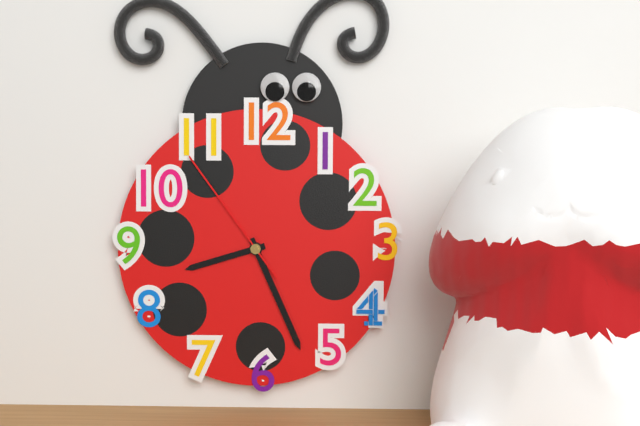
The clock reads 8h26m54s
